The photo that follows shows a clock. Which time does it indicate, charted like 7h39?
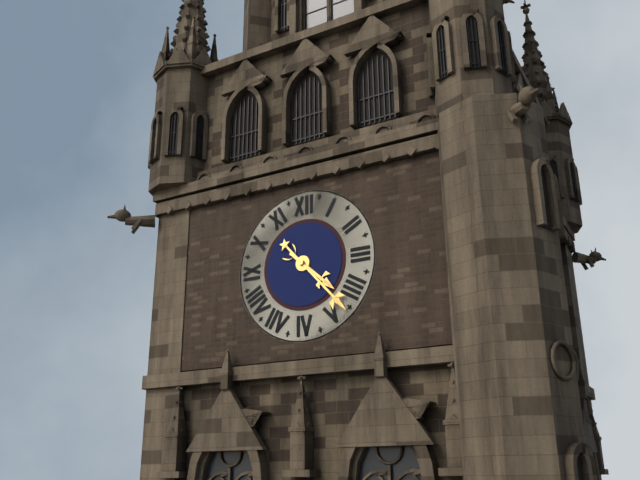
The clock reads 4h23
